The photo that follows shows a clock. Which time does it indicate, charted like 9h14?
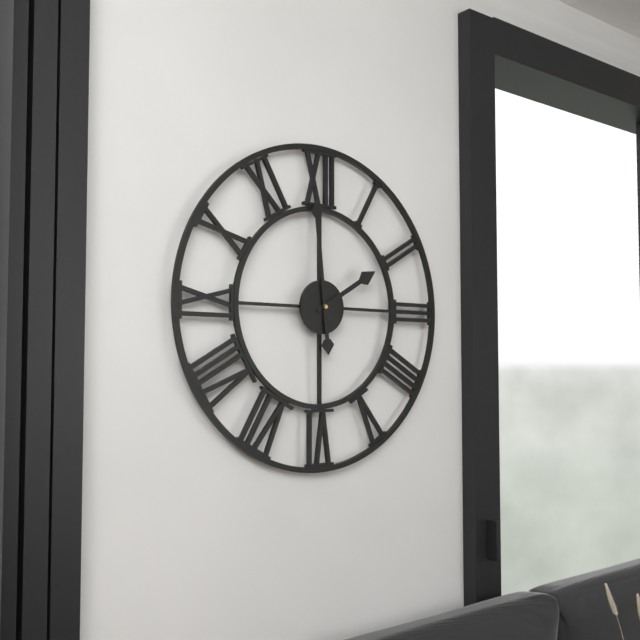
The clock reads 1h59
